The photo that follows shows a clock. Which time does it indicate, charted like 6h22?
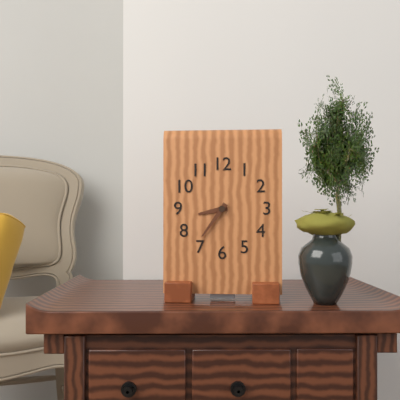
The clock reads 8h36
